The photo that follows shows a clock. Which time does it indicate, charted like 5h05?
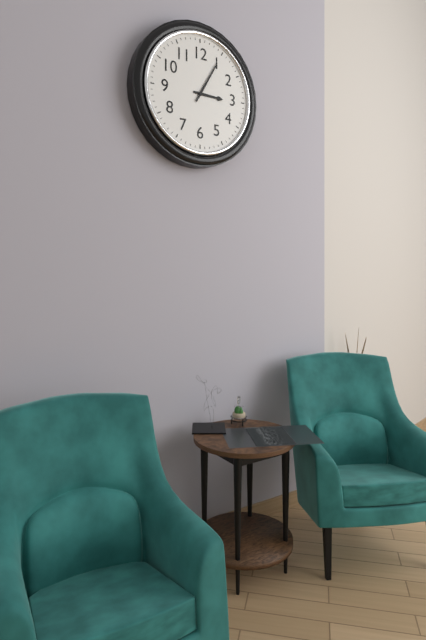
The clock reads 3h05
